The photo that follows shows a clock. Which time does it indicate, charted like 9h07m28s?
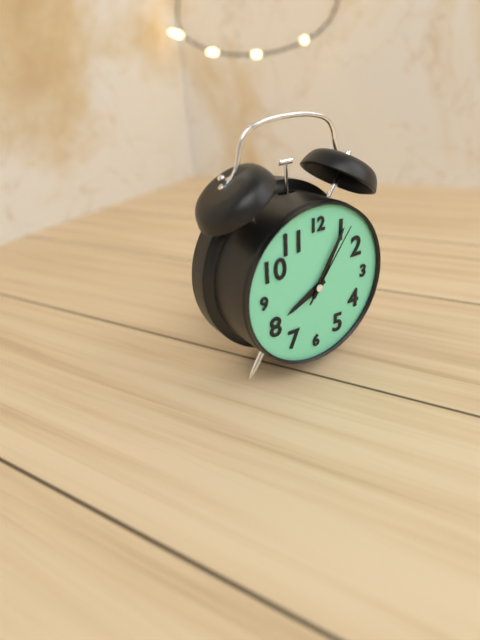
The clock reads 8h05m06s
